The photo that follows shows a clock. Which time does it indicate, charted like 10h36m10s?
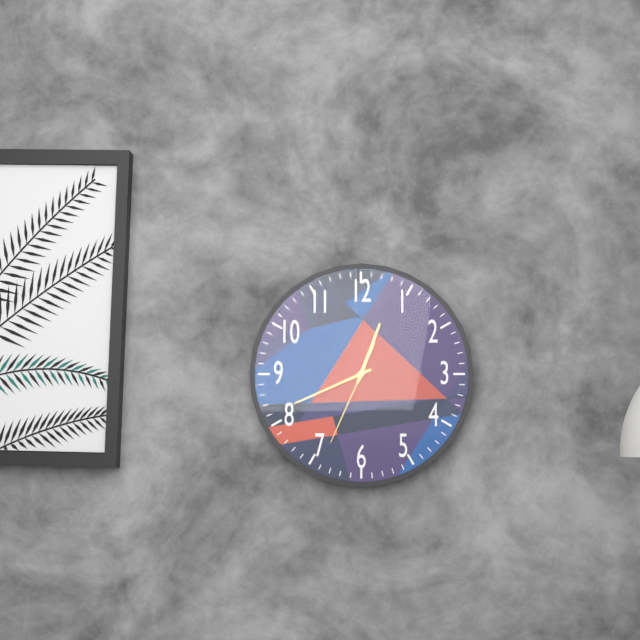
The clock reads 12h41m34s
